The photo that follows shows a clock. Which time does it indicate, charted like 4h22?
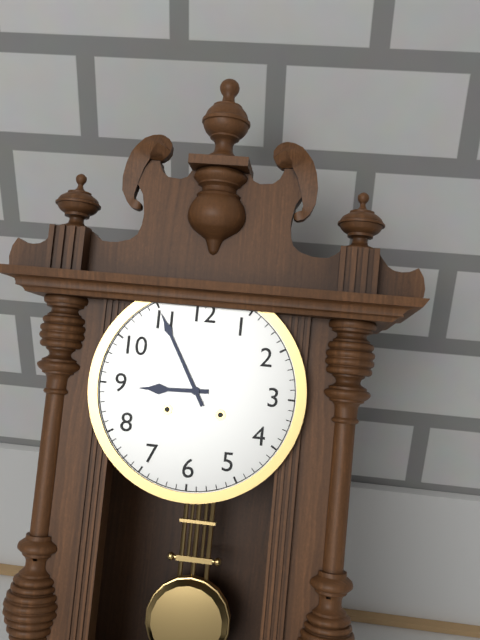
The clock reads 8h55
